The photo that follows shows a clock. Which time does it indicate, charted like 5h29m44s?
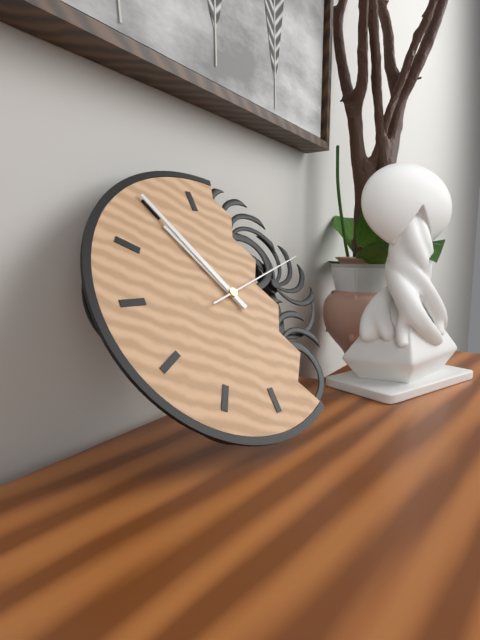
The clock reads 10h55m12s
